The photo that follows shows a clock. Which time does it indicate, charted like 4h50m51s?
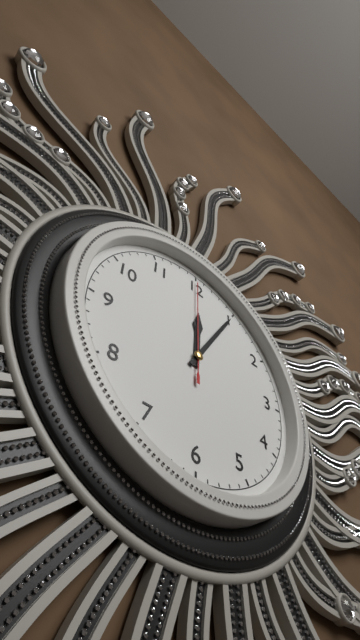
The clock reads 12h05m00s
